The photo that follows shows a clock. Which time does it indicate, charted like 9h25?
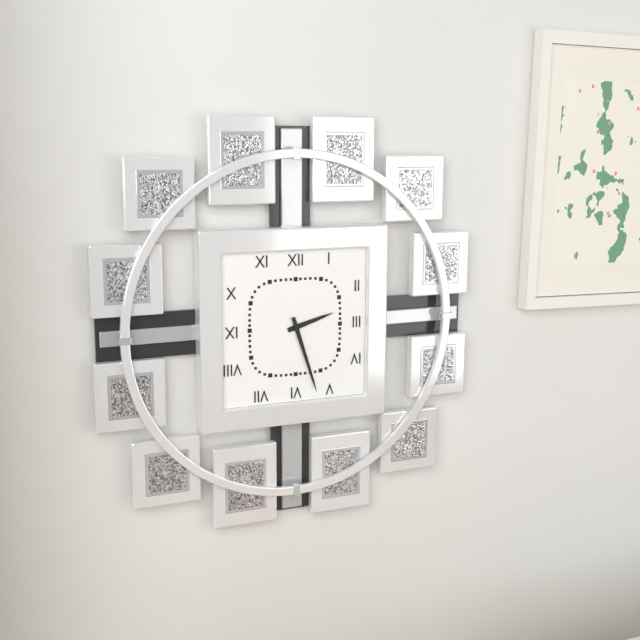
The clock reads 2h27
